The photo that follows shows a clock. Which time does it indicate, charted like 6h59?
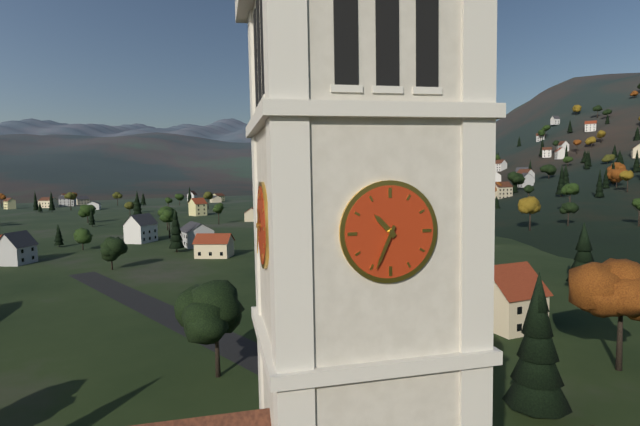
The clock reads 10h34
